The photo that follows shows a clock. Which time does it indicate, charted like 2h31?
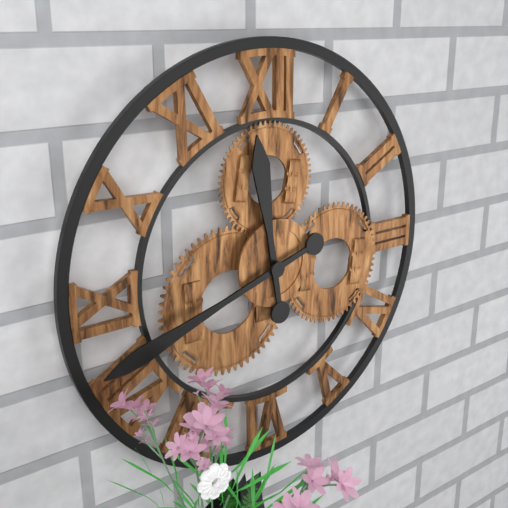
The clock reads 11h42
